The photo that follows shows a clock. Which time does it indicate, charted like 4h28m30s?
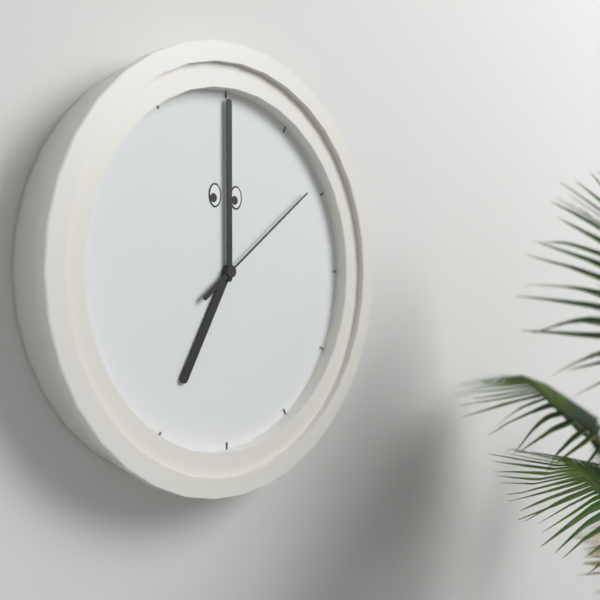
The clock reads 7h00m09s
